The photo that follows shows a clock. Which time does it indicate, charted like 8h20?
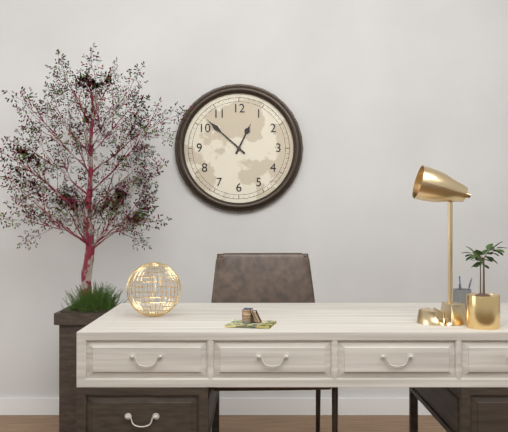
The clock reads 12h52
